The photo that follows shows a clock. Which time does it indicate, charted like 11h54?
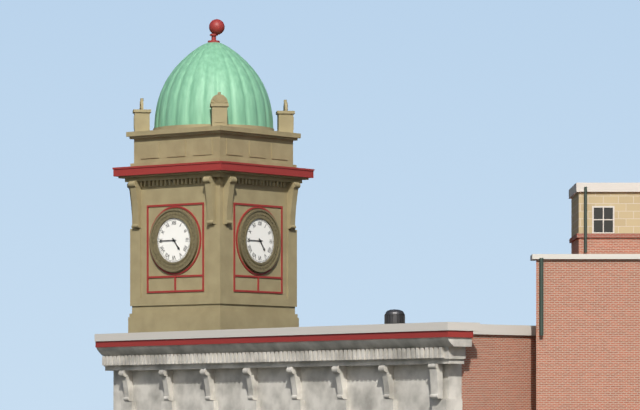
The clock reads 4h45
